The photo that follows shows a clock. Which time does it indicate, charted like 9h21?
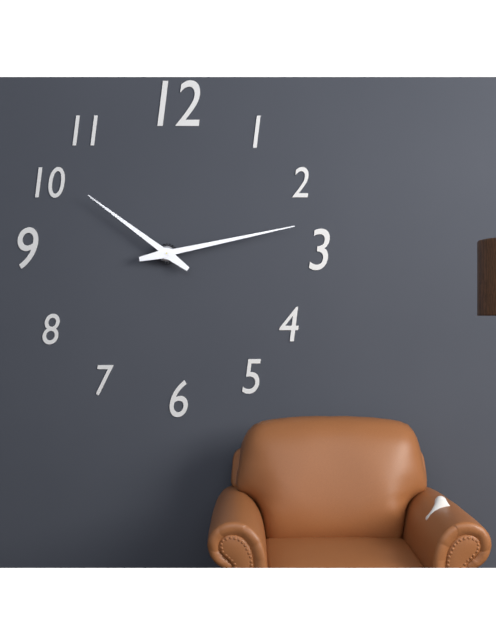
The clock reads 10h13
